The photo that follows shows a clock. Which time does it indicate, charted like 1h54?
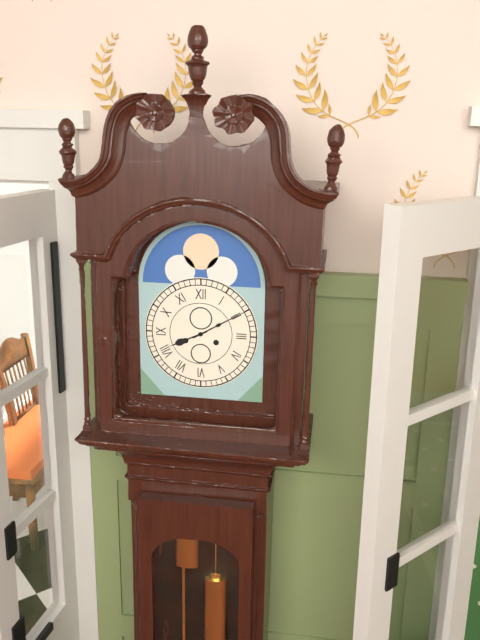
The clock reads 8h10
